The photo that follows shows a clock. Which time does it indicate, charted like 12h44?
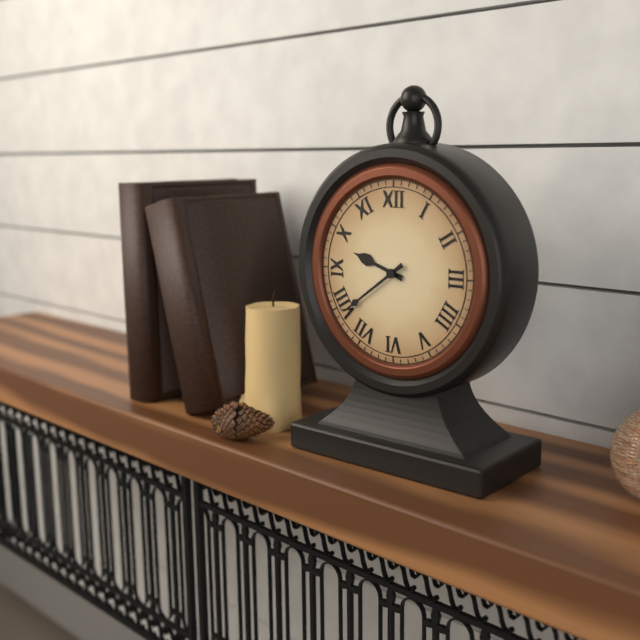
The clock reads 9h39
